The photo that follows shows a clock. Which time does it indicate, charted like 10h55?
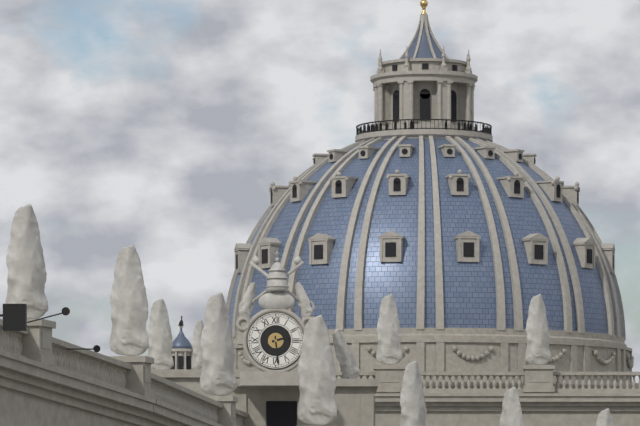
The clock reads 2h29
